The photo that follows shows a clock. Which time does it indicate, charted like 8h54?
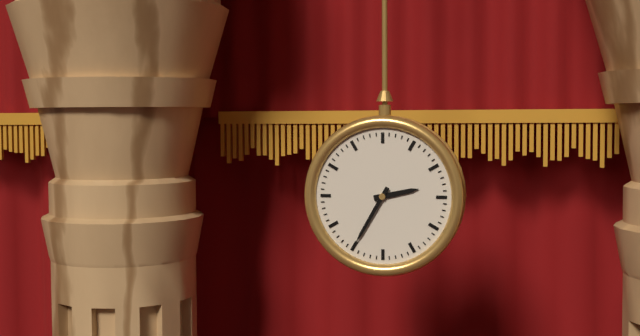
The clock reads 2h35
